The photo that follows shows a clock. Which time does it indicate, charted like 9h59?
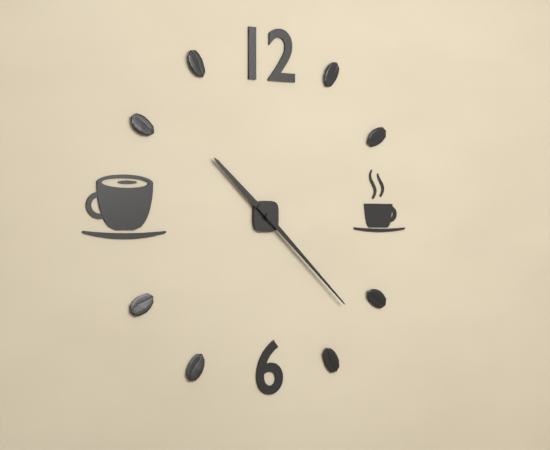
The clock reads 10h22
